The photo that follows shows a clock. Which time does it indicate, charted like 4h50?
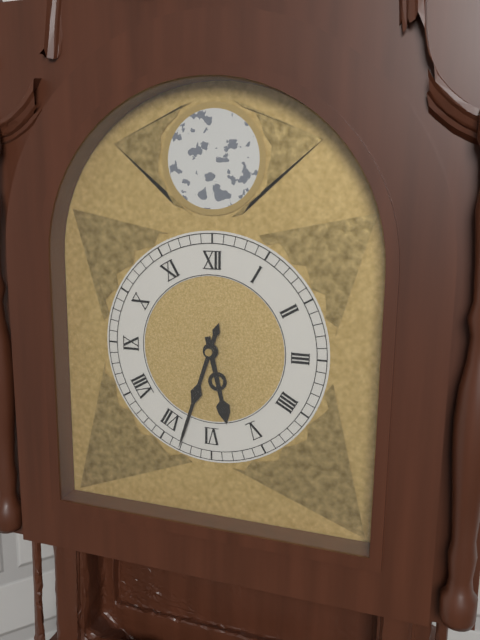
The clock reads 5h33
